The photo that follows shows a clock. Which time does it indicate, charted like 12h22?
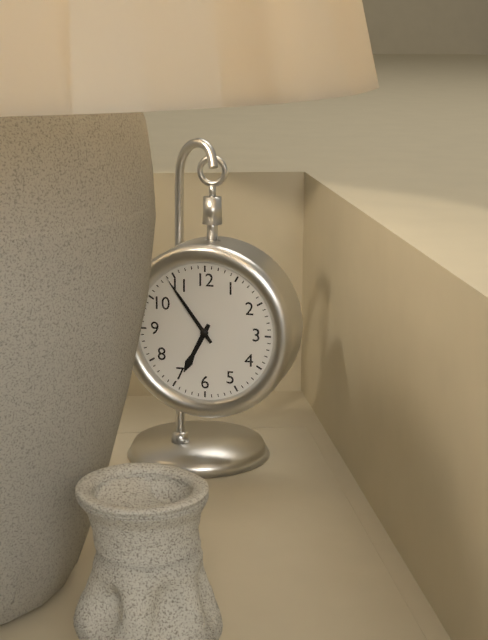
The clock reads 6h54
